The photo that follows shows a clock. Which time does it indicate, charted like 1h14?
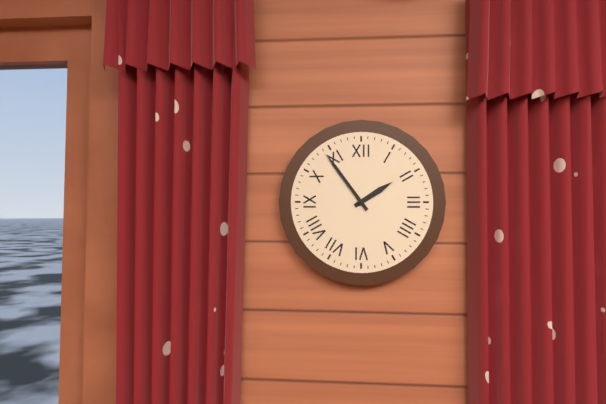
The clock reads 1h54
